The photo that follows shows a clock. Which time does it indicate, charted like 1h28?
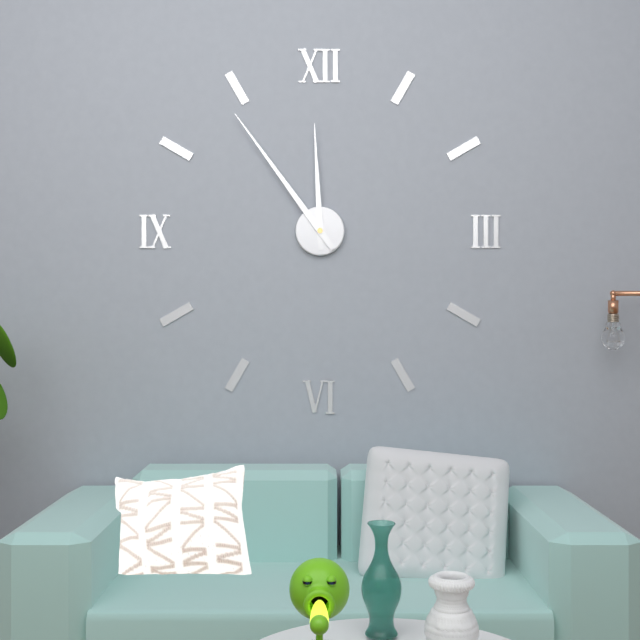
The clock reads 11h54
